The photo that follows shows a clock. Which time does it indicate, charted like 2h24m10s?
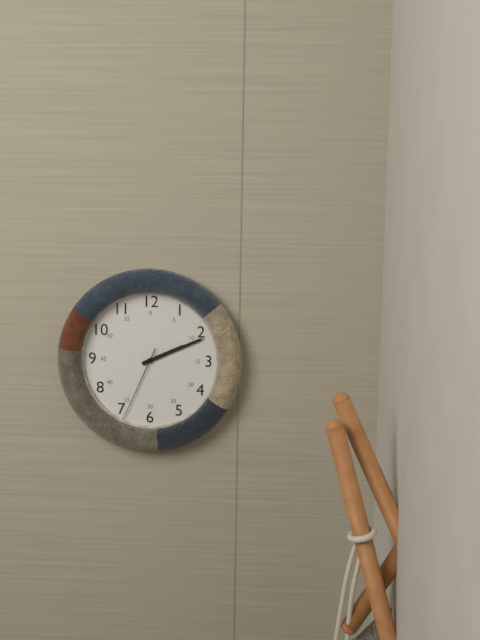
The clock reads 2h11m34s
